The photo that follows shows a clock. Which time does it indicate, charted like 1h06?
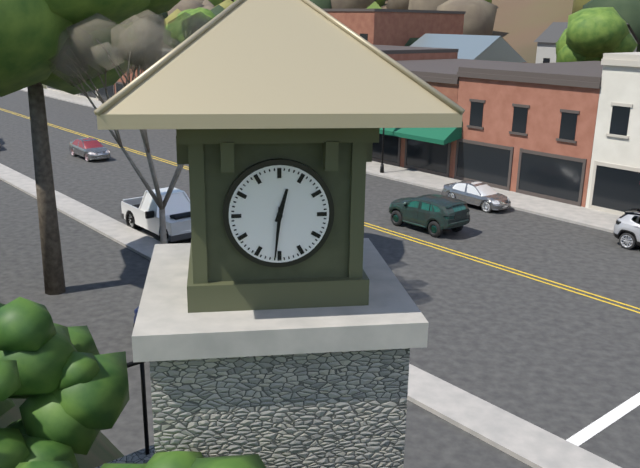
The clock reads 12h31
